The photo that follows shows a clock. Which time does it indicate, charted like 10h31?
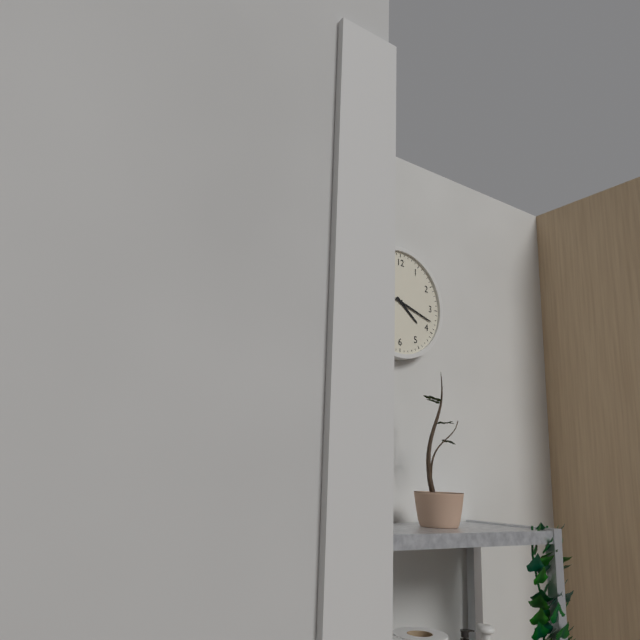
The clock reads 4h18
